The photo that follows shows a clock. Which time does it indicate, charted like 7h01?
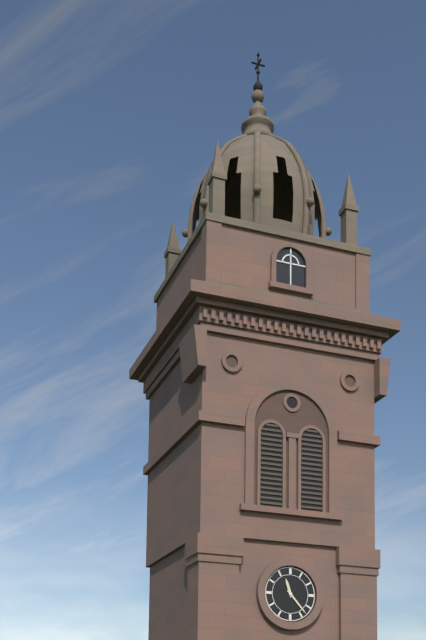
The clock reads 11h23
